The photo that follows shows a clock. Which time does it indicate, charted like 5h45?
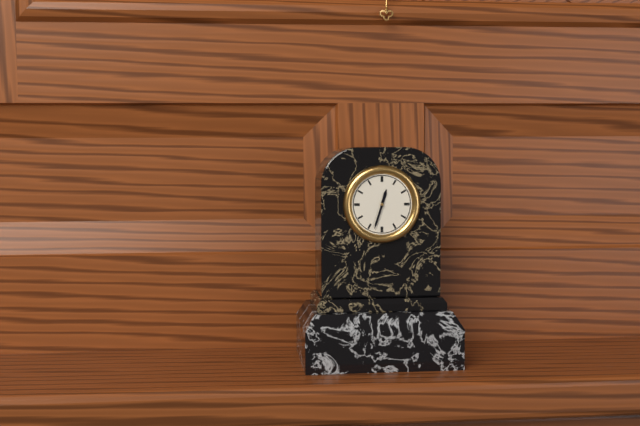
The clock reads 12h33
